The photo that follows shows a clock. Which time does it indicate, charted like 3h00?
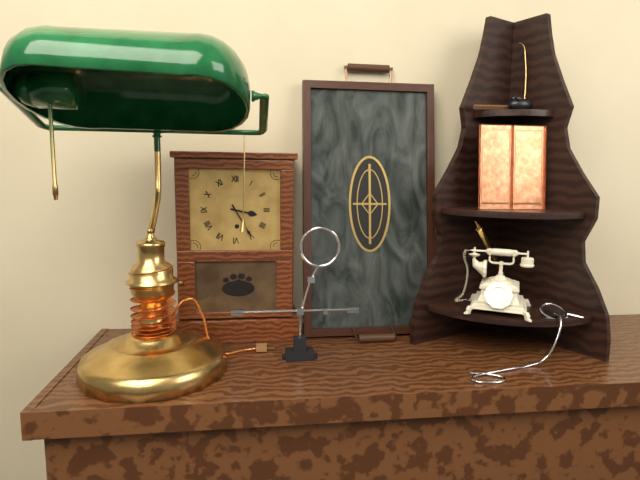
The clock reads 3h25
